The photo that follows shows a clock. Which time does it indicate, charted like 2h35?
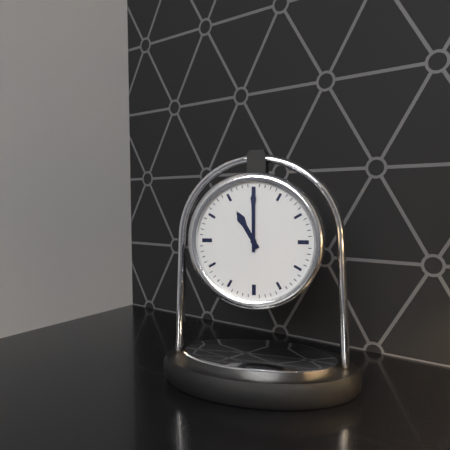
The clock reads 11h00
